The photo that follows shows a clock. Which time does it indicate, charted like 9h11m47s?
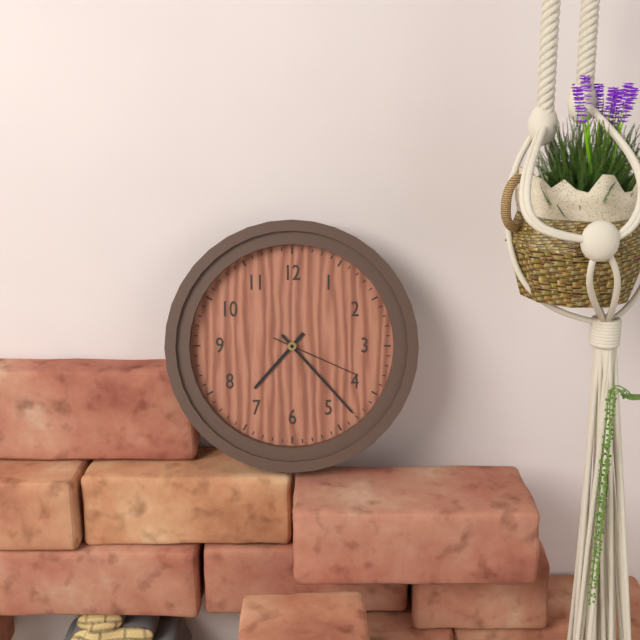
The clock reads 7h23m19s
